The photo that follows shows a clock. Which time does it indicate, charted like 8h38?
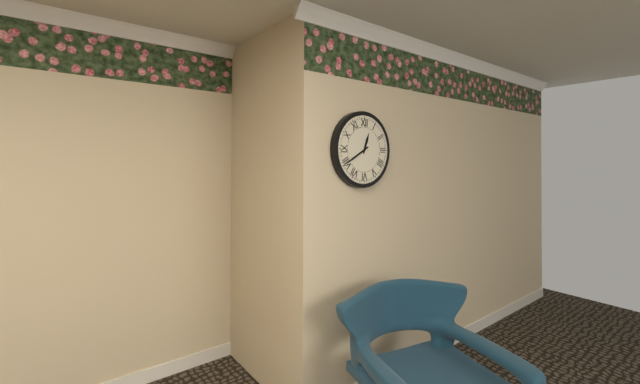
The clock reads 12h40
